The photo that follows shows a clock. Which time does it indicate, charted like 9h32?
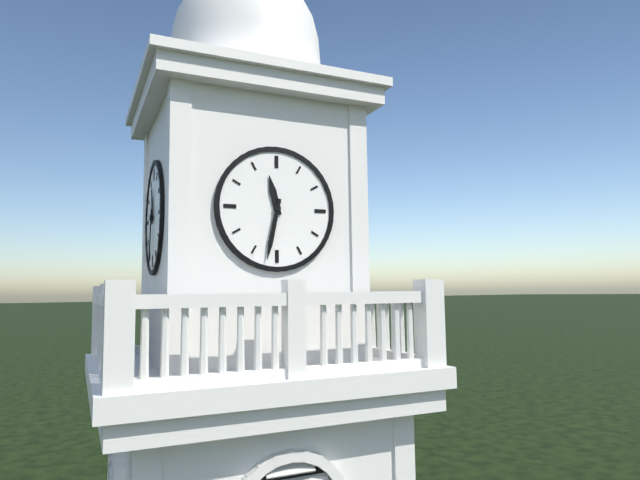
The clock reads 11h32
